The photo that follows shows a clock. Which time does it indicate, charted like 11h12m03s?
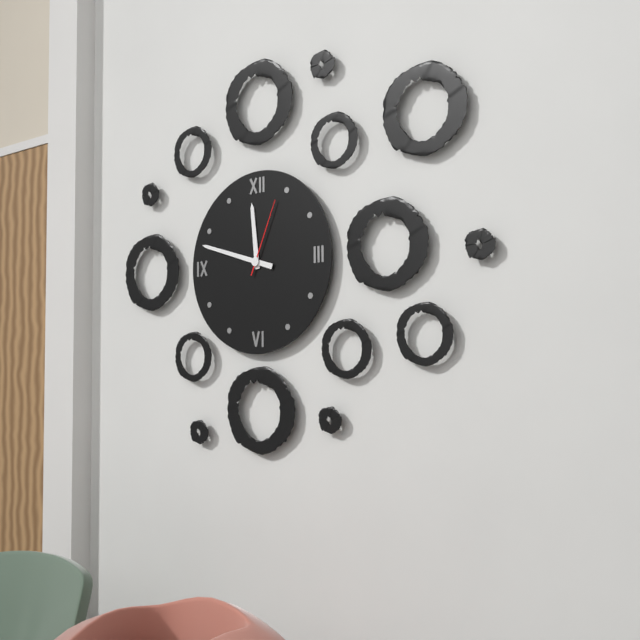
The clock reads 11h48m04s
